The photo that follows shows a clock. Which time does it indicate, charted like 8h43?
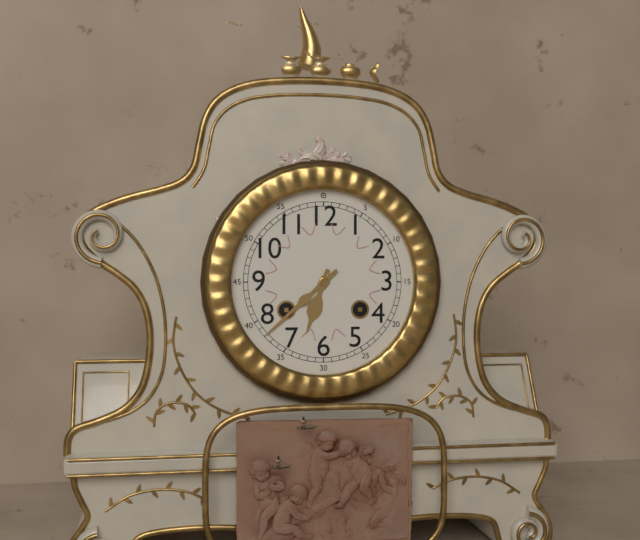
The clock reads 6h38
